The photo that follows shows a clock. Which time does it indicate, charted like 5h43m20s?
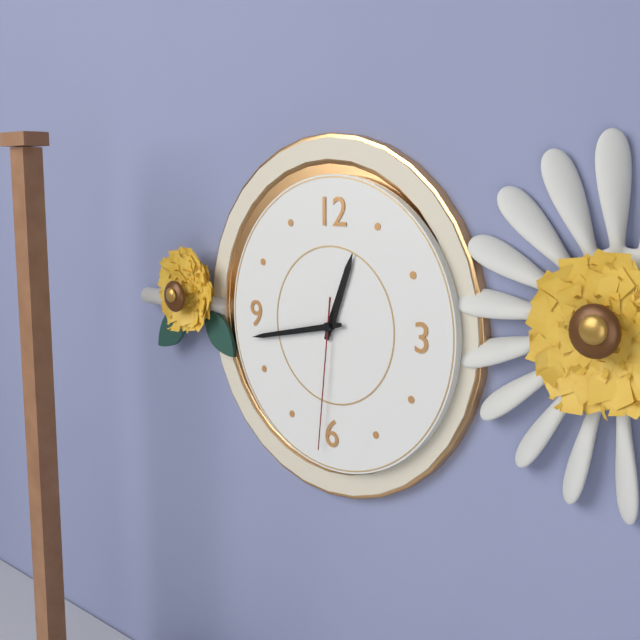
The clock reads 12h43m31s
